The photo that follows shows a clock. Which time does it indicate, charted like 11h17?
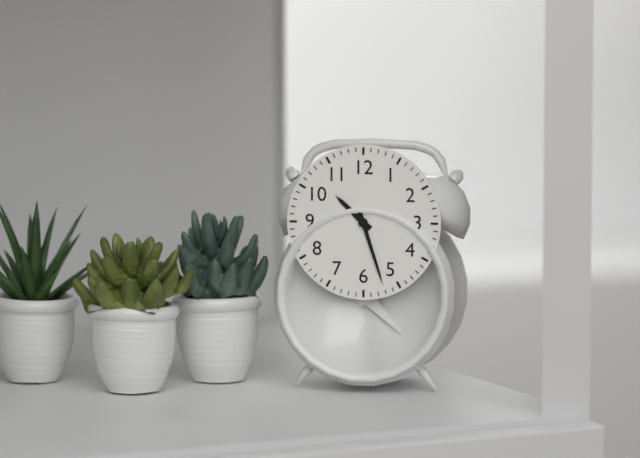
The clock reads 10h27
